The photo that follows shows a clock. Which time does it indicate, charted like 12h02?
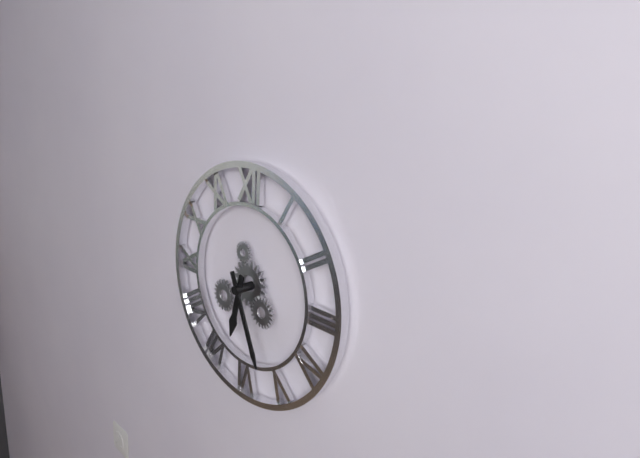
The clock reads 6h26
